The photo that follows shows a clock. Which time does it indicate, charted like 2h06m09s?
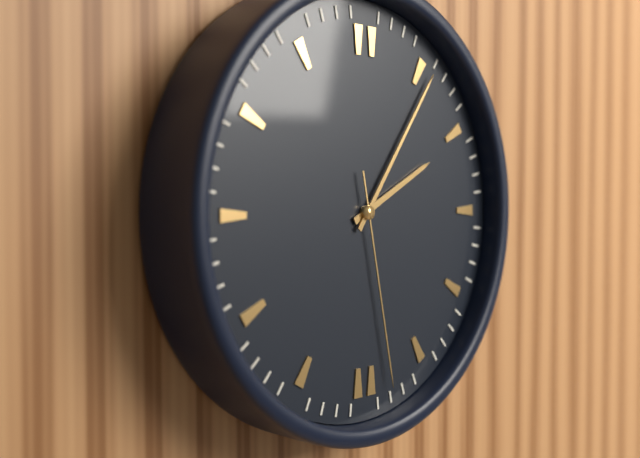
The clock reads 2h06m28s
